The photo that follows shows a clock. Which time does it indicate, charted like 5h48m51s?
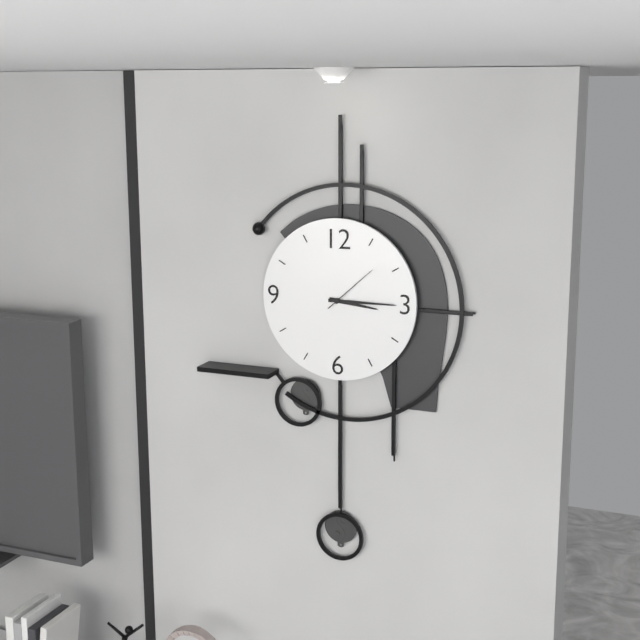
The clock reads 3h15m08s
